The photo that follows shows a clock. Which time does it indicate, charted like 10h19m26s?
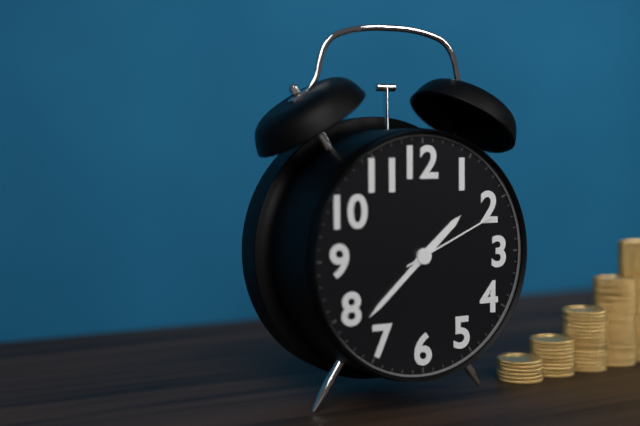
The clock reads 1h38m11s
